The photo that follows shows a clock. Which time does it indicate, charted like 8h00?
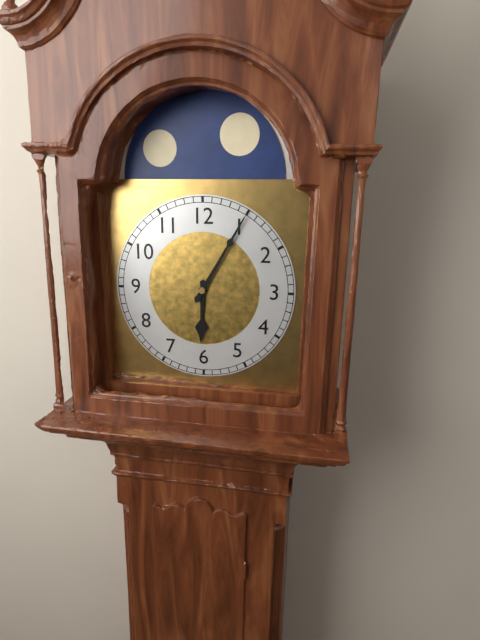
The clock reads 6h05
